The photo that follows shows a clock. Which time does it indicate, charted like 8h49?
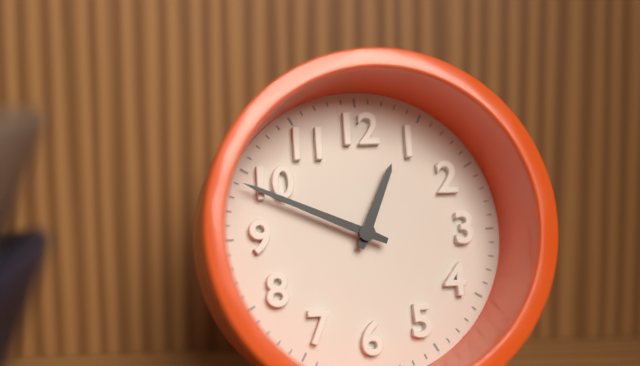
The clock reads 12h49
